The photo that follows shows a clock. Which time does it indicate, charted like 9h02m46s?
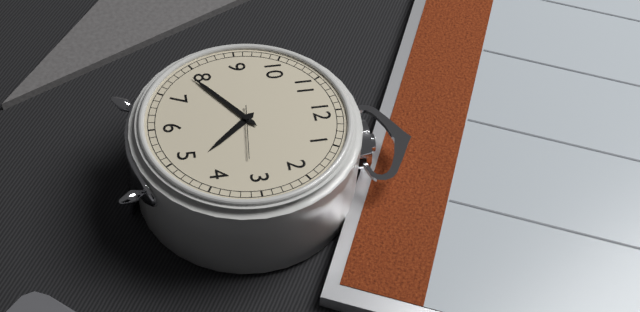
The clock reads 4h39m16s
